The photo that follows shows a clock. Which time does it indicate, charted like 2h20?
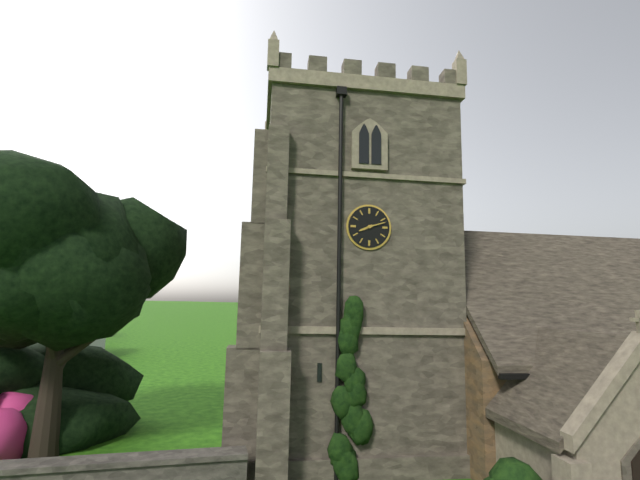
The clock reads 8h12
